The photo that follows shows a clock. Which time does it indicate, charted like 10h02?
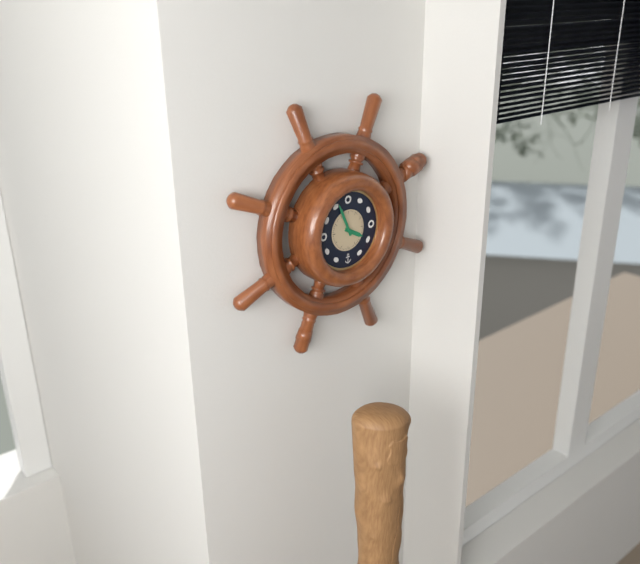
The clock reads 3h56
